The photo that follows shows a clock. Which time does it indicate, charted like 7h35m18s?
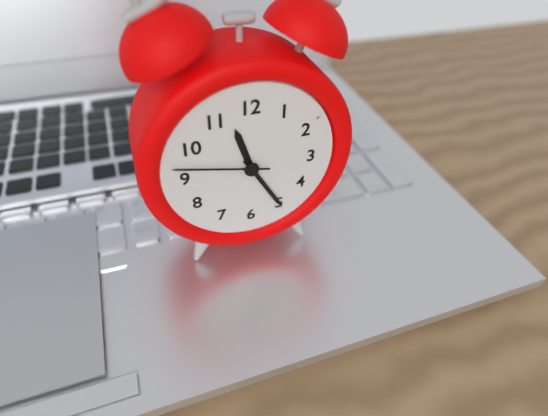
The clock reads 11h25m47s
